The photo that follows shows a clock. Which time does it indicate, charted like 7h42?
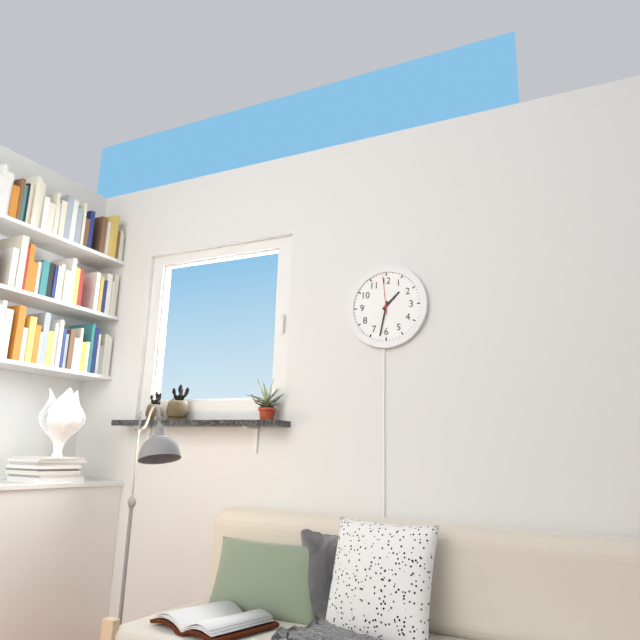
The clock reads 1h32
